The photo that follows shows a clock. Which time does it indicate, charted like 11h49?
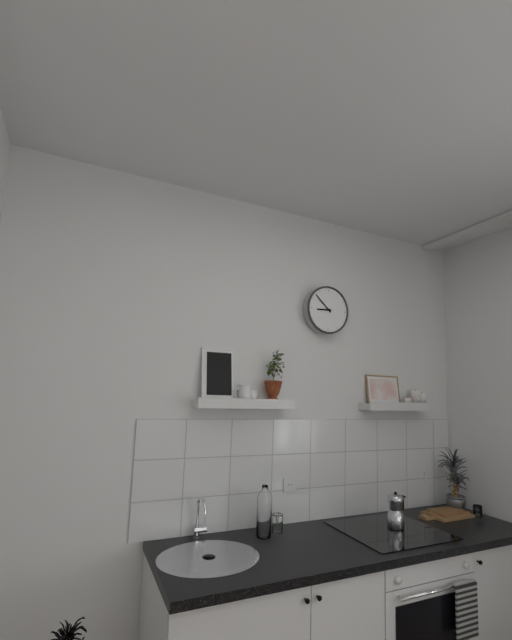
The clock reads 8h52
